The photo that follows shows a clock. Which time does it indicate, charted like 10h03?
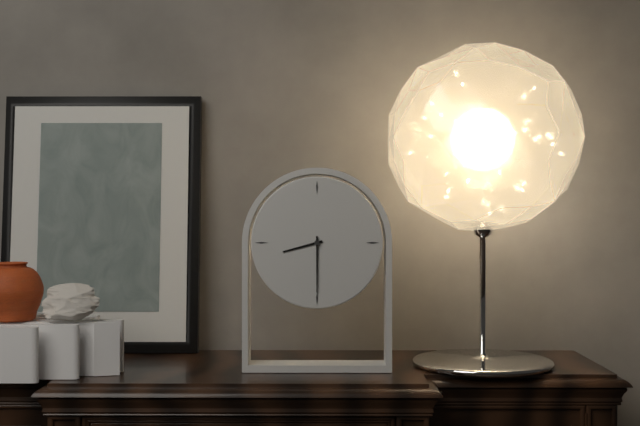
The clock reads 8h30
